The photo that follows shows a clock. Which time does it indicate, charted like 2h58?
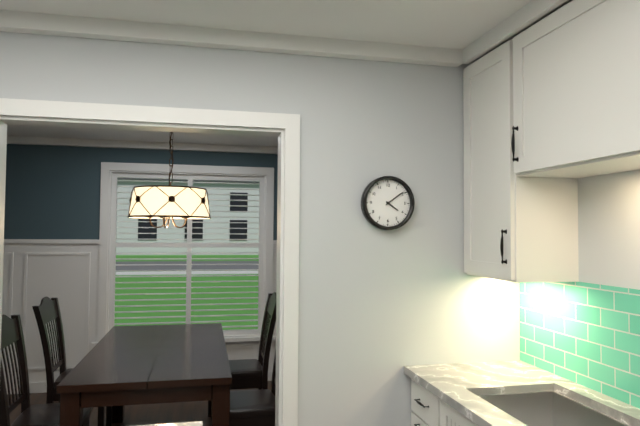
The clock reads 4h09
